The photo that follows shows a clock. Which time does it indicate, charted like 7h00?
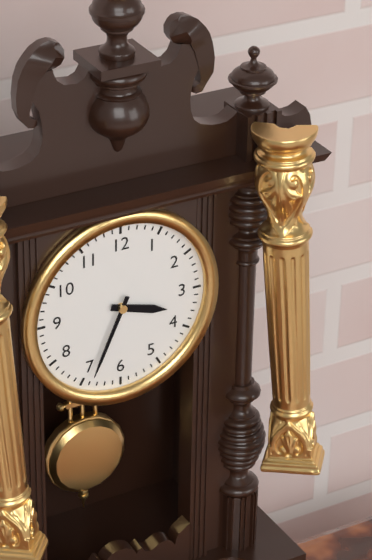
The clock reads 3h34
